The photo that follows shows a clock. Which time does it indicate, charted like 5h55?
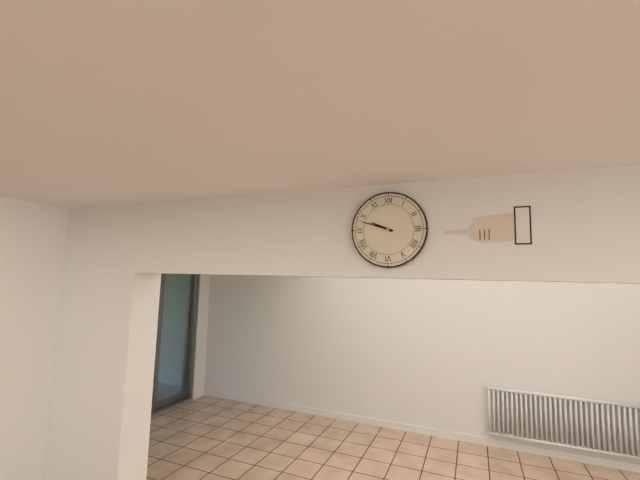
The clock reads 9h48
